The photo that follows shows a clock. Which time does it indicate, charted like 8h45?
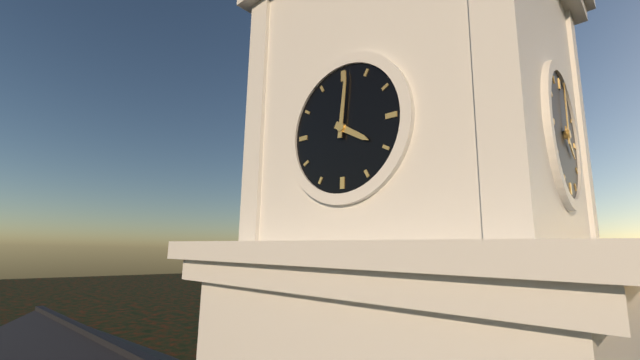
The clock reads 4h01
